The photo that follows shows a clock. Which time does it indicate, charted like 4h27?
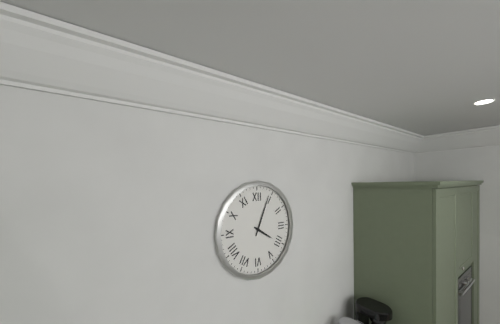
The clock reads 4h04
